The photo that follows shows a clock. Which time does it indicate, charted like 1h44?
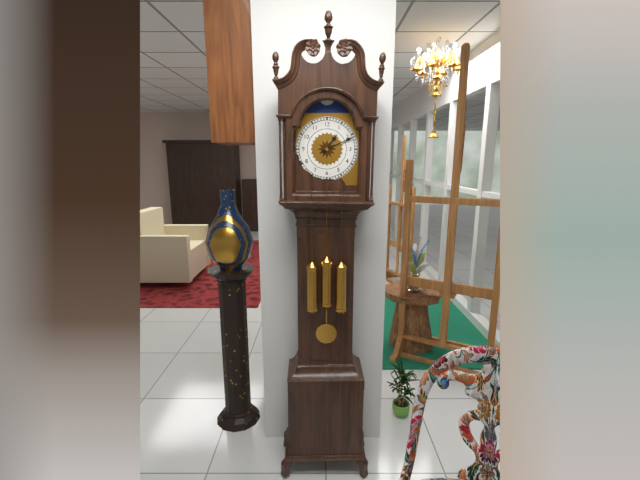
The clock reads 1h11
